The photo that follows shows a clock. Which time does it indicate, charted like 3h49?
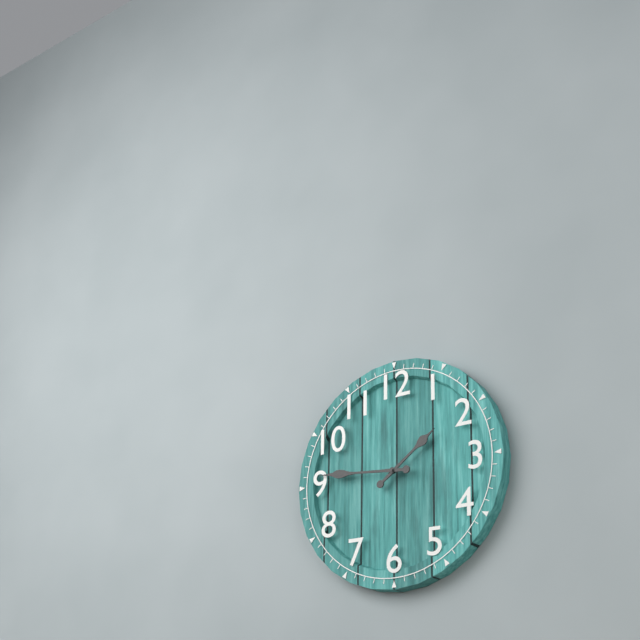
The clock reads 1h46
